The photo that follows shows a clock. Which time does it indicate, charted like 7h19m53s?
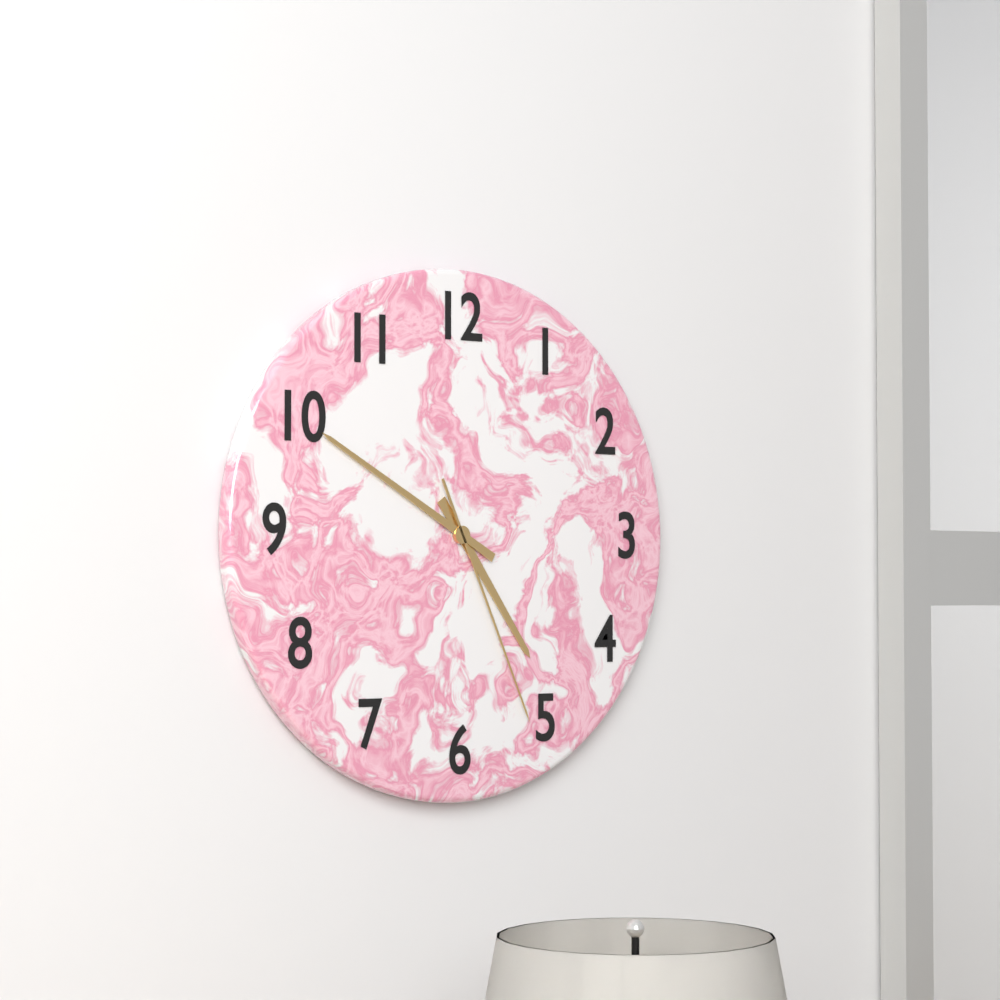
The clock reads 4h50m26s
